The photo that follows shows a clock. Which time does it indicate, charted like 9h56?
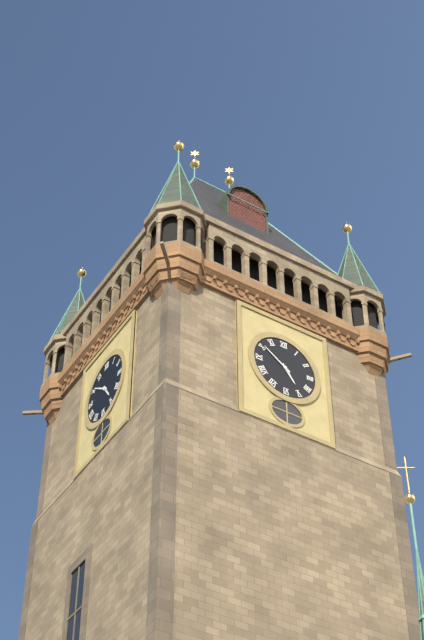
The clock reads 4h51
